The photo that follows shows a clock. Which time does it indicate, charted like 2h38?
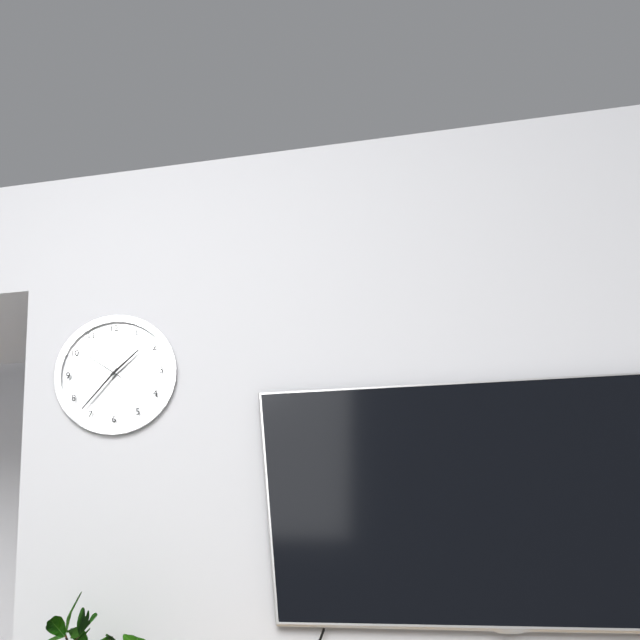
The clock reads 1h37
